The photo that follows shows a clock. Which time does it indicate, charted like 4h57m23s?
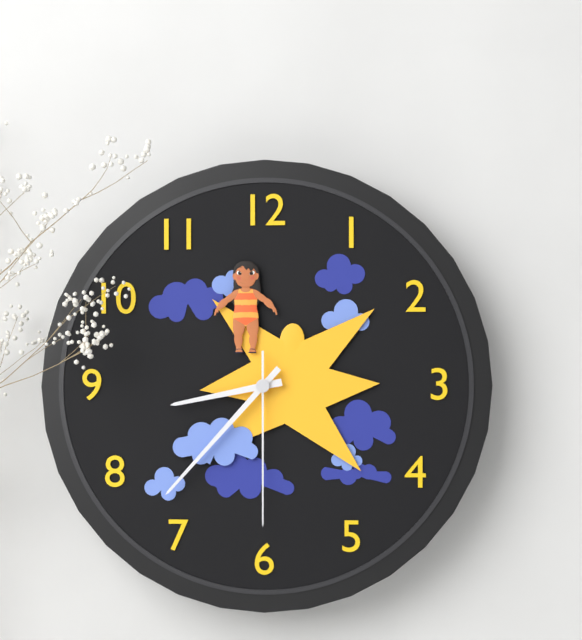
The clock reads 8h37m30s
